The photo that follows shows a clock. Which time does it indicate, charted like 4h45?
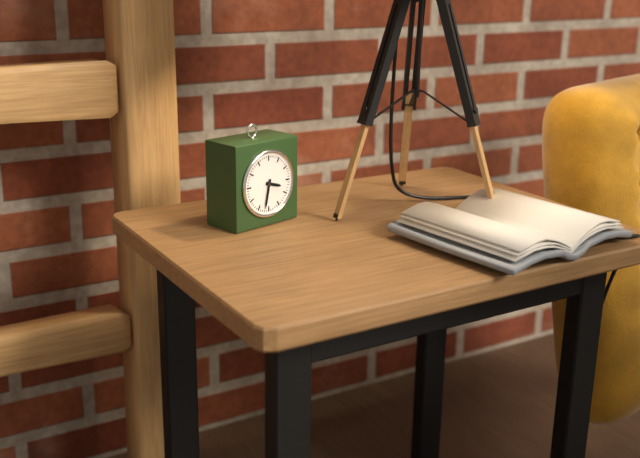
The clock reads 3h32
